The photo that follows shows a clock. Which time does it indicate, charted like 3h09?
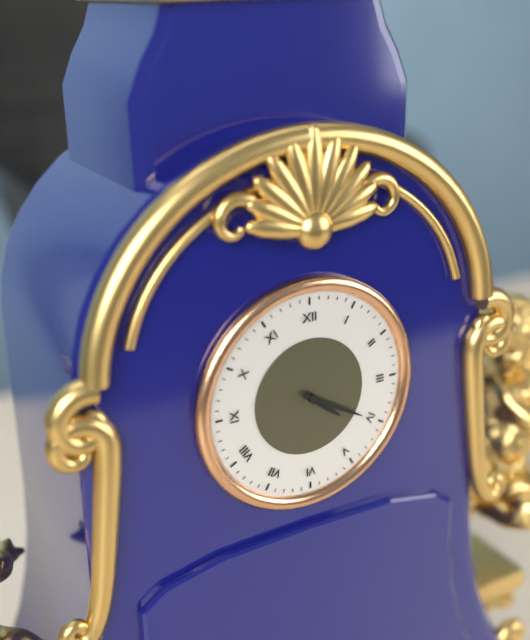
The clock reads 4h20
